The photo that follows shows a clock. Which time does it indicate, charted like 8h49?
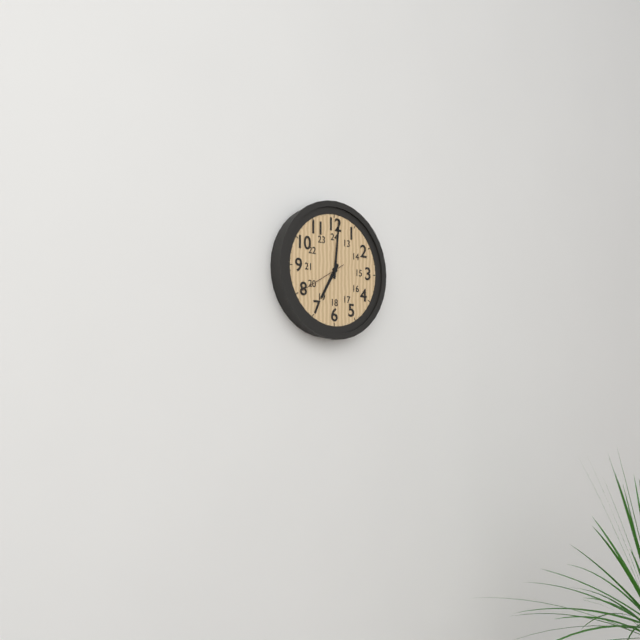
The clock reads 7h01
